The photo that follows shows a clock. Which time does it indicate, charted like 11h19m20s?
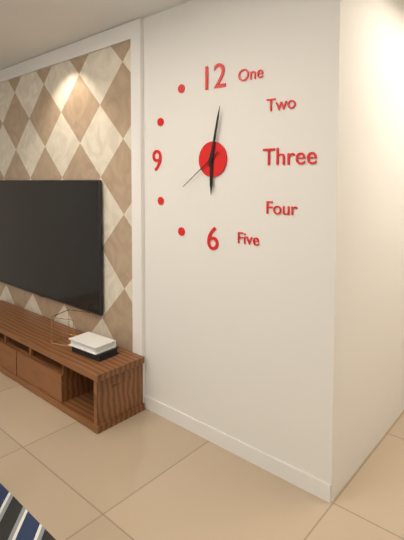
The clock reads 6h02m39s
